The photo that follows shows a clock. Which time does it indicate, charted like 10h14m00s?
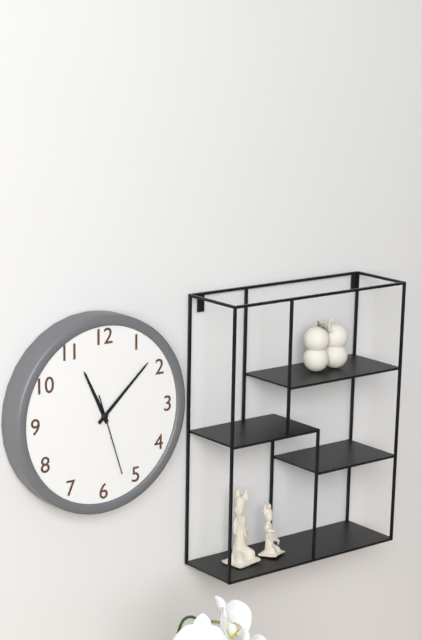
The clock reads 11h08m27s
